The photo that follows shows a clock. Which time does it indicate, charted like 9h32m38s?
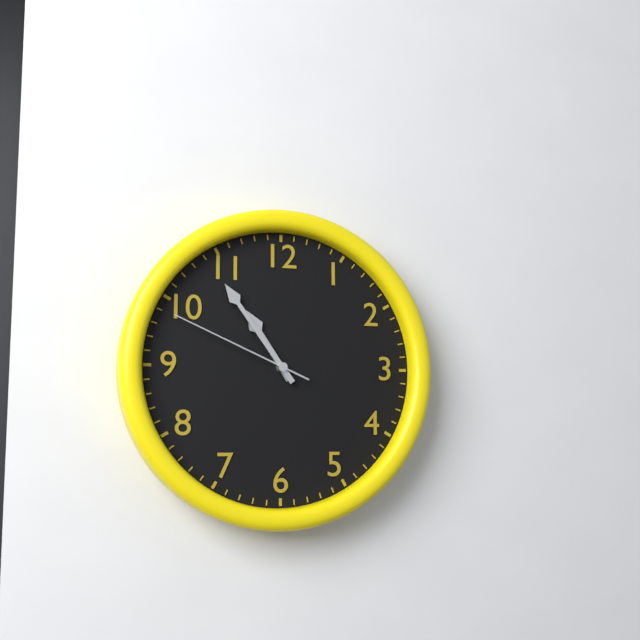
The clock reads 10h54m49s
